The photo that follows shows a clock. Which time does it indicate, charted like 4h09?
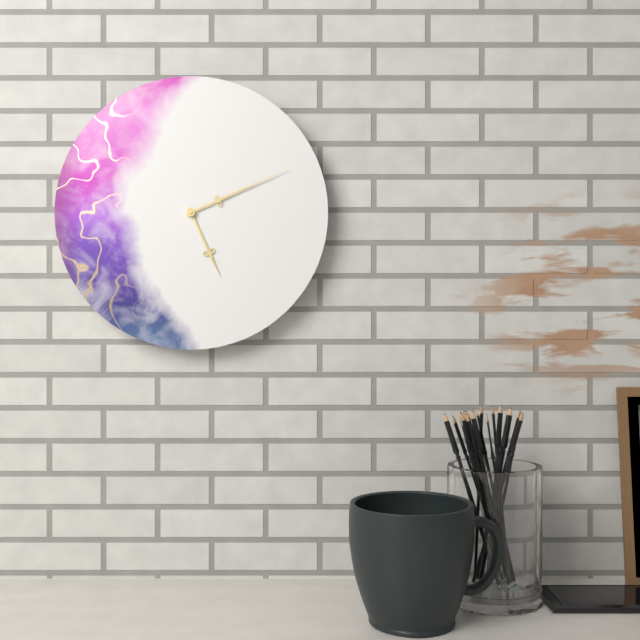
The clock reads 5h11
